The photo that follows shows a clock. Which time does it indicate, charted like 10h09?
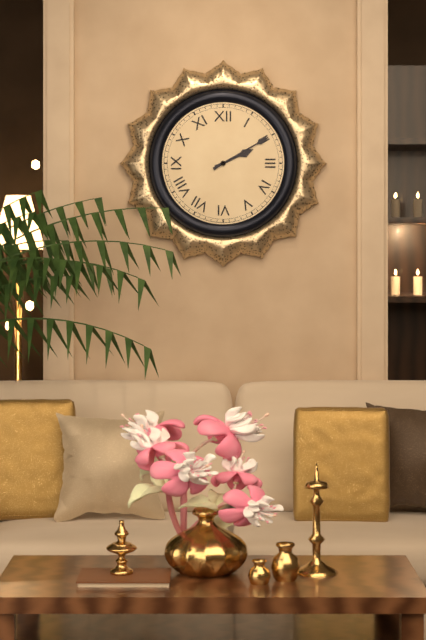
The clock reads 2h10
